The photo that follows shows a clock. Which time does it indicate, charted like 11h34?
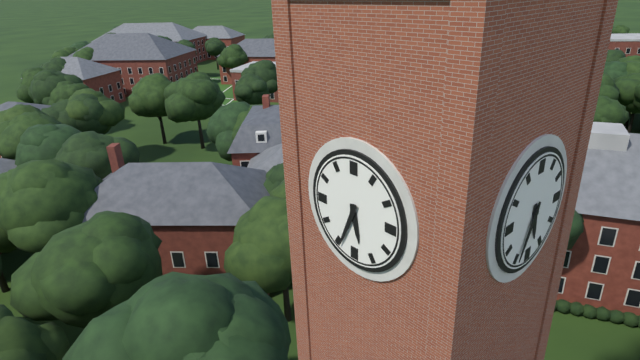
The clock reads 5h34
